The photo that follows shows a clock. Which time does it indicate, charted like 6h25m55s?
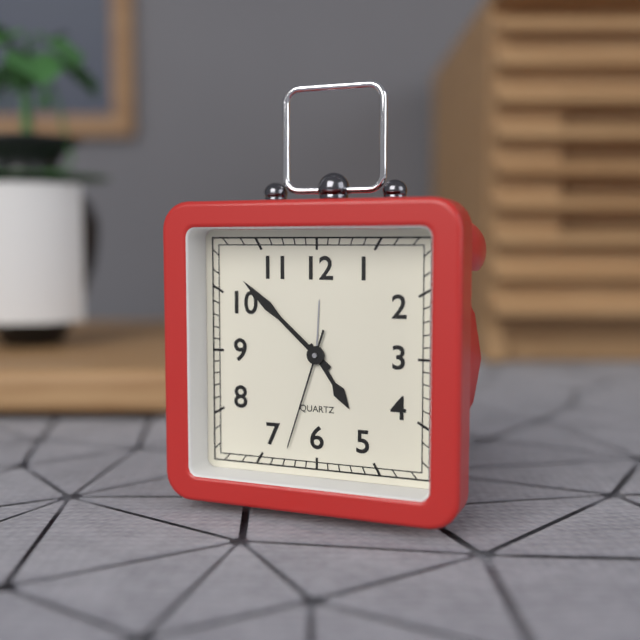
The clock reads 4h52m33s
